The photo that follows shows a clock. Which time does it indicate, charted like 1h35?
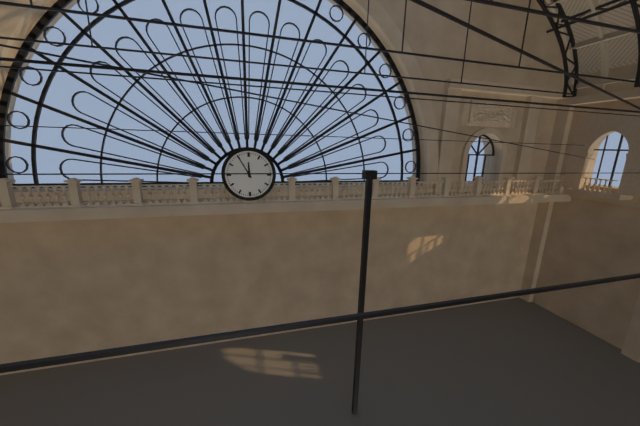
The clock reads 11h55
